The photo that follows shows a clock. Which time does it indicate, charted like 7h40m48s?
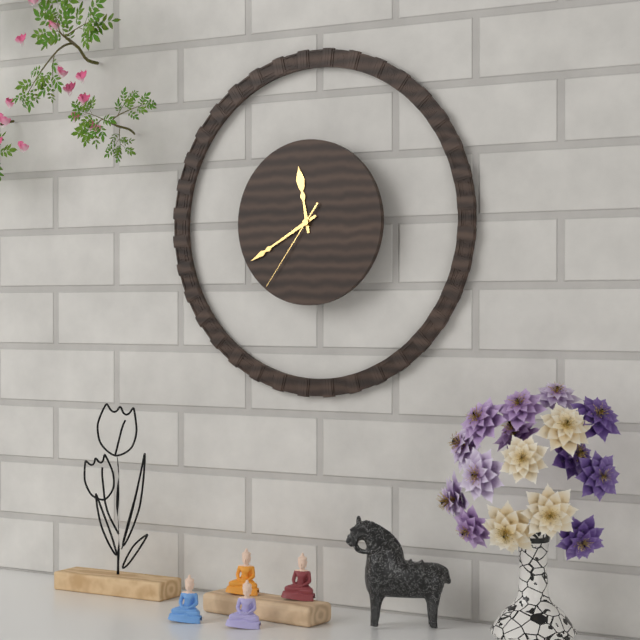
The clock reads 11h40m36s
